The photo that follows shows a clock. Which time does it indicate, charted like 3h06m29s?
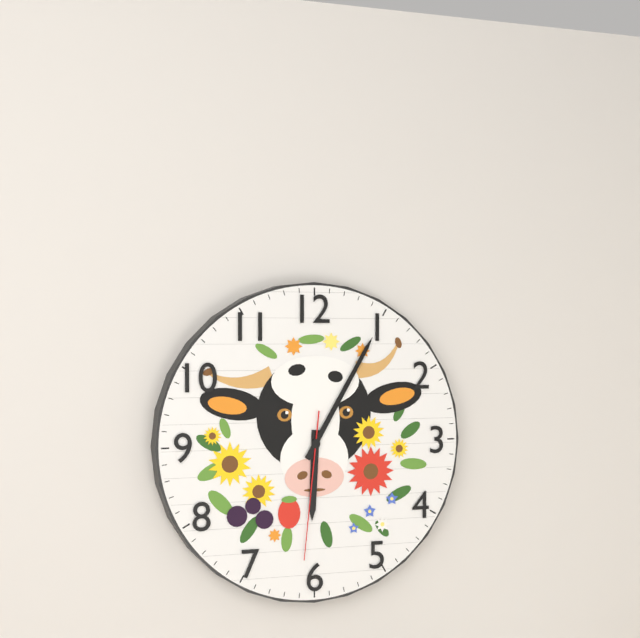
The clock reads 6h05m31s
